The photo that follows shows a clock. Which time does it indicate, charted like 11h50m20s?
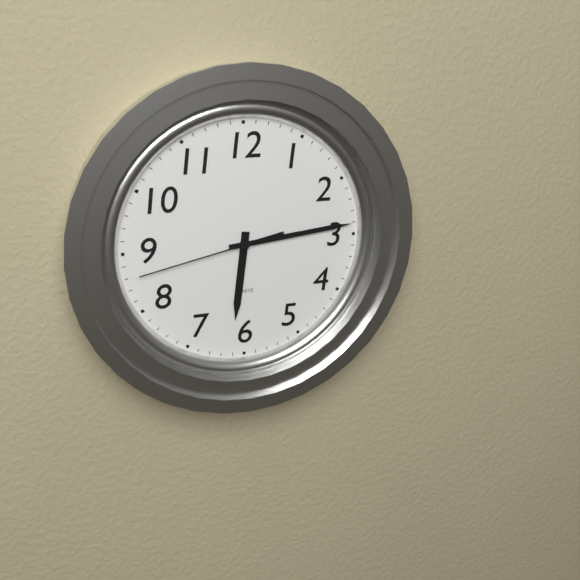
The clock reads 6h14m43s
